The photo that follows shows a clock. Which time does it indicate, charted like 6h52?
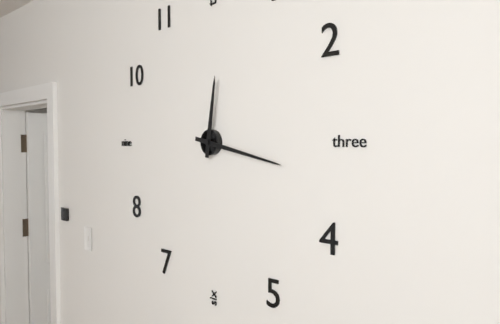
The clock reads 12h17
